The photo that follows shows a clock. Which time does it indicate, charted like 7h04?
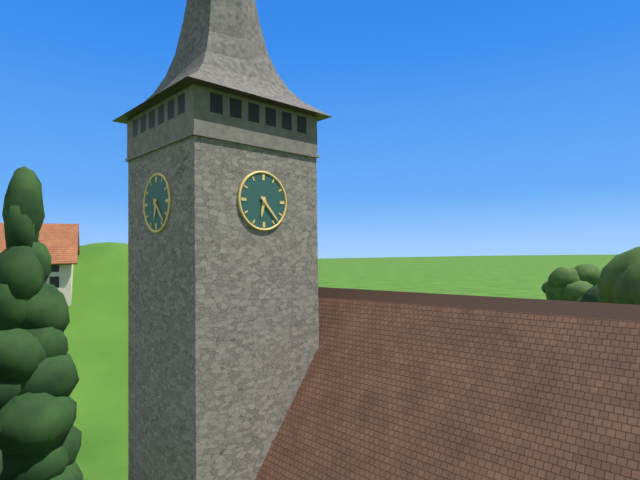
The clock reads 6h23
